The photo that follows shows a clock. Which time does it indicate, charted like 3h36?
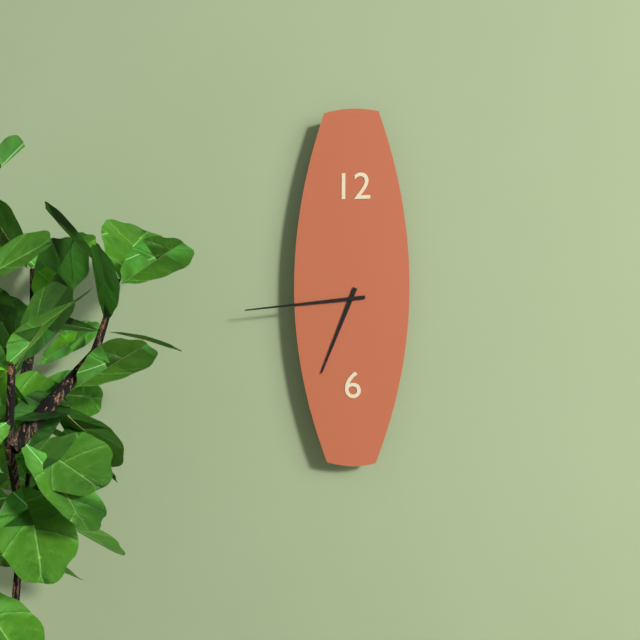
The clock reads 6h44
